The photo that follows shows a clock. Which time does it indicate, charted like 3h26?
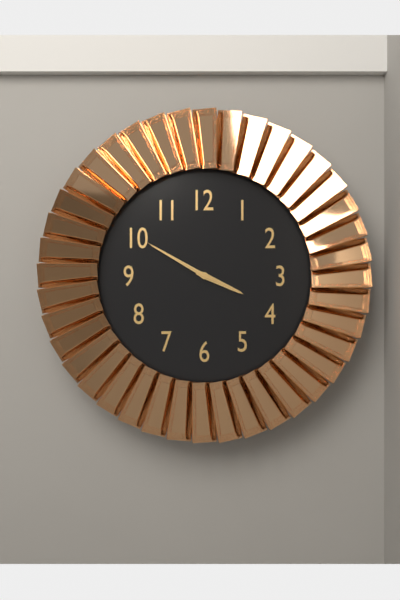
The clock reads 3h50
